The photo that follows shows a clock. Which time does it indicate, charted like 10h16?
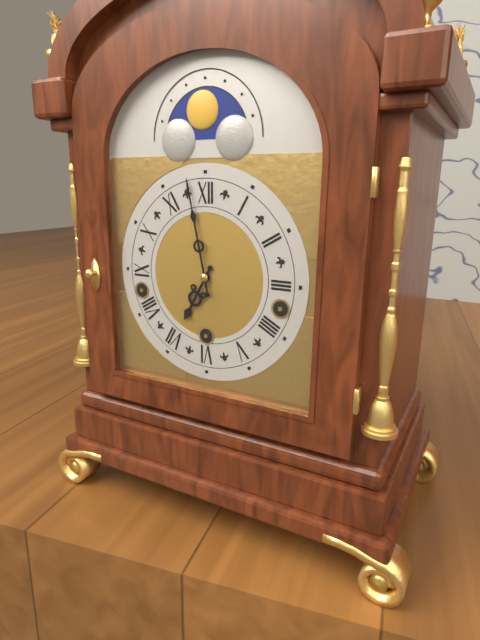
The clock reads 6h58
